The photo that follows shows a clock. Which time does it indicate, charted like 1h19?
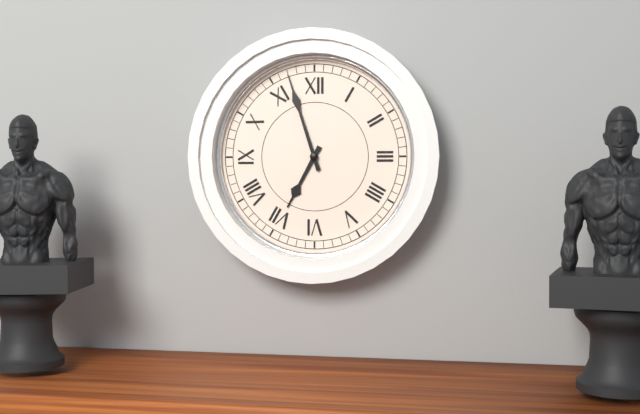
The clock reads 6h57
